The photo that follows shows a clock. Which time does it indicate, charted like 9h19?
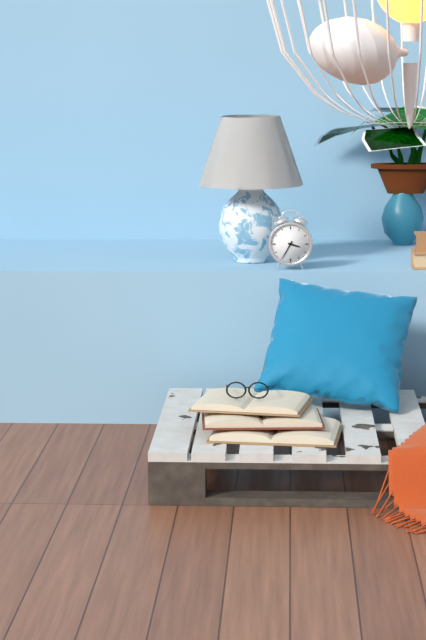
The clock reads 3h35
